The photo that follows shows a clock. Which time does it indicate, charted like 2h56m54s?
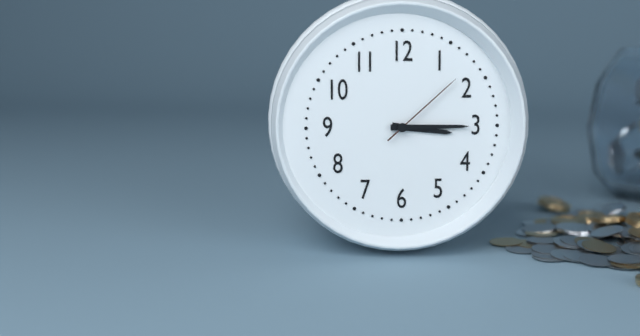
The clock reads 3h15m08s
